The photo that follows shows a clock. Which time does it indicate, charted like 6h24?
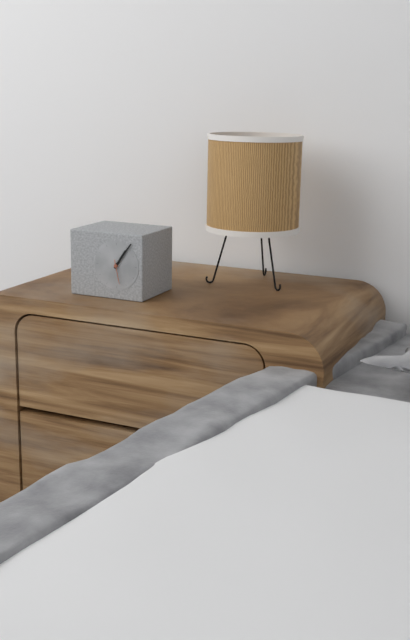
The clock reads 1h06
